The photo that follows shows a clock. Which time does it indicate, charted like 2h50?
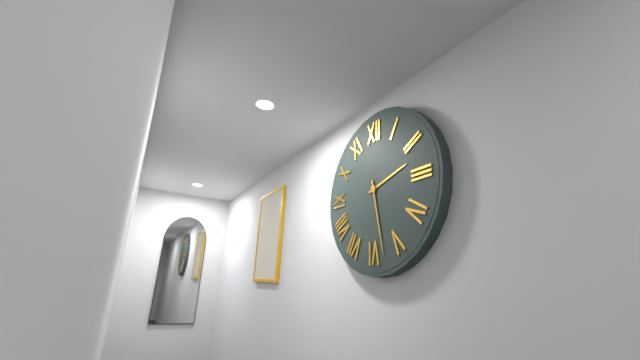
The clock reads 2h28
